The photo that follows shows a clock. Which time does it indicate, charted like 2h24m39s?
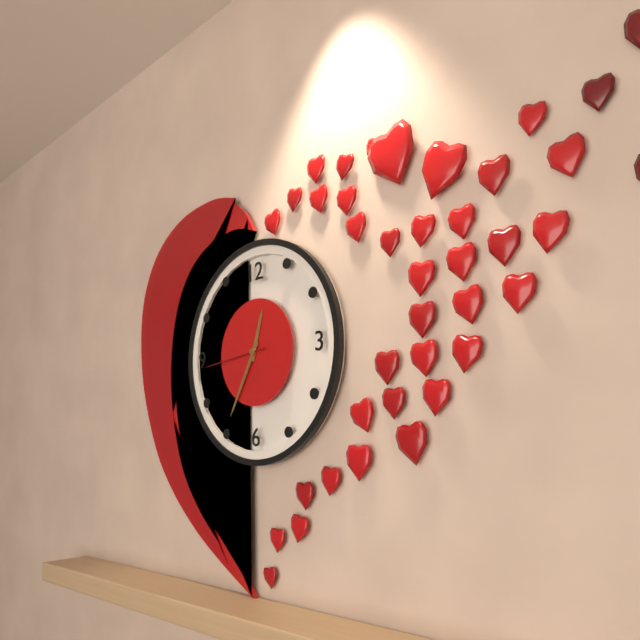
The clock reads 12h35m44s
